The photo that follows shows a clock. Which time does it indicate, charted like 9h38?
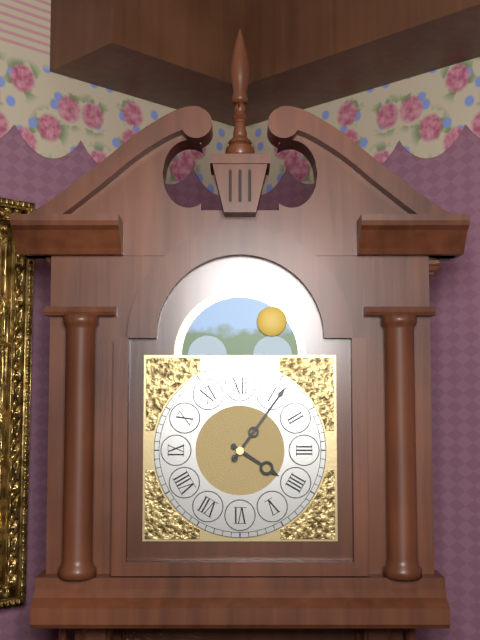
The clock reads 4h06
